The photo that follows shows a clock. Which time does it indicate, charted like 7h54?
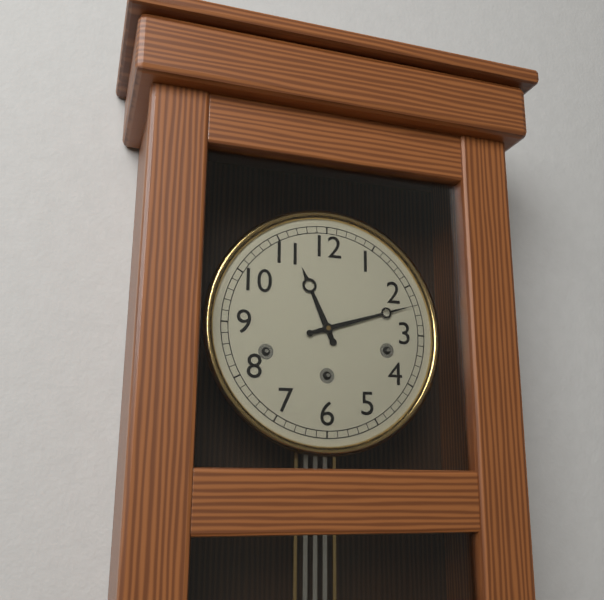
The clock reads 11h12
